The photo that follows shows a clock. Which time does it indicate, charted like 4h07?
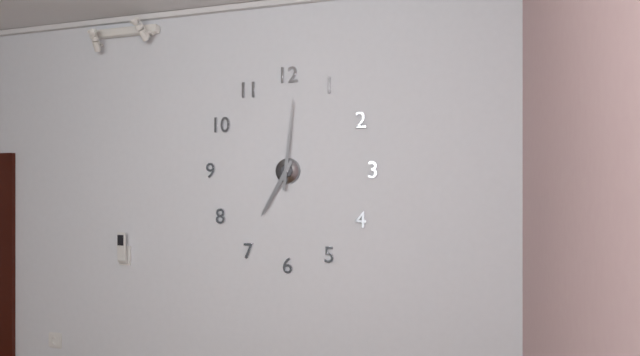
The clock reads 7h01
